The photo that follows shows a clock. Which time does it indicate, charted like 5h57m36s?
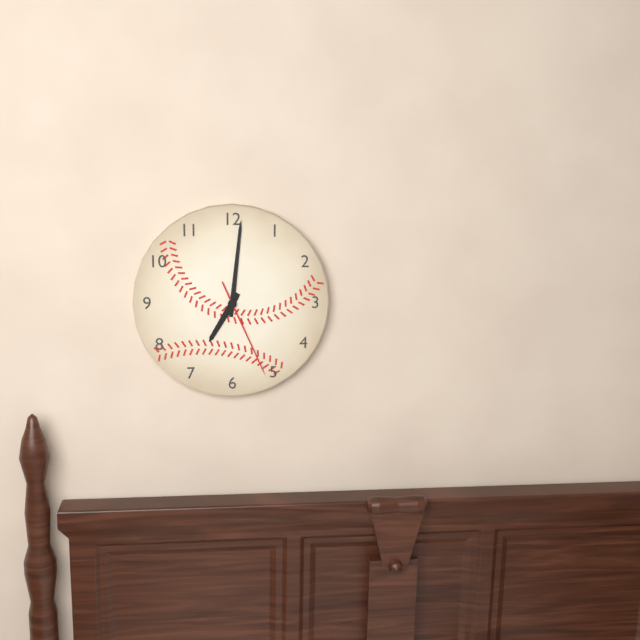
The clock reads 7h01m26s
